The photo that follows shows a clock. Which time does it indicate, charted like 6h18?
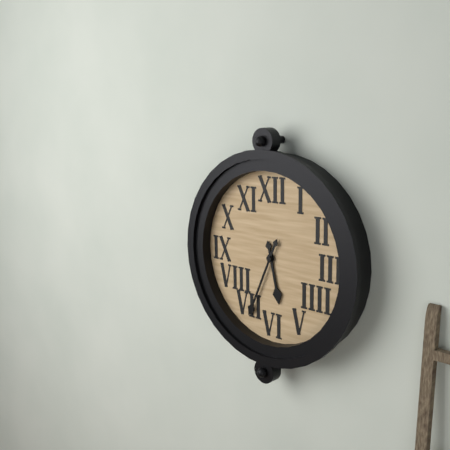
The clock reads 5h34
